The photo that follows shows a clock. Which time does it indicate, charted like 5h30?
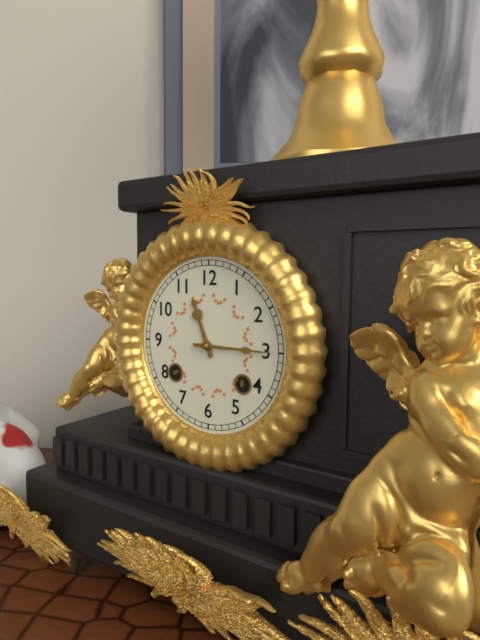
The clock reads 11h15
